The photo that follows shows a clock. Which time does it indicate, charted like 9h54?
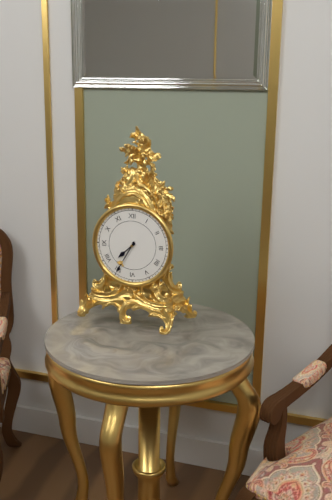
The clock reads 7h35
